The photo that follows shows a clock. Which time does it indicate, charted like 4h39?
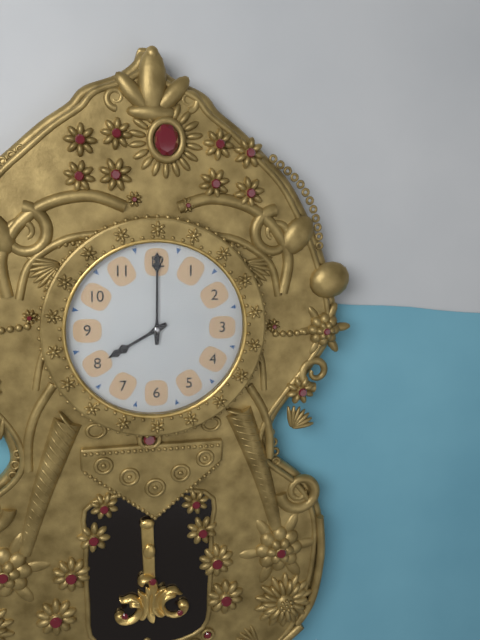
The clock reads 8h00
